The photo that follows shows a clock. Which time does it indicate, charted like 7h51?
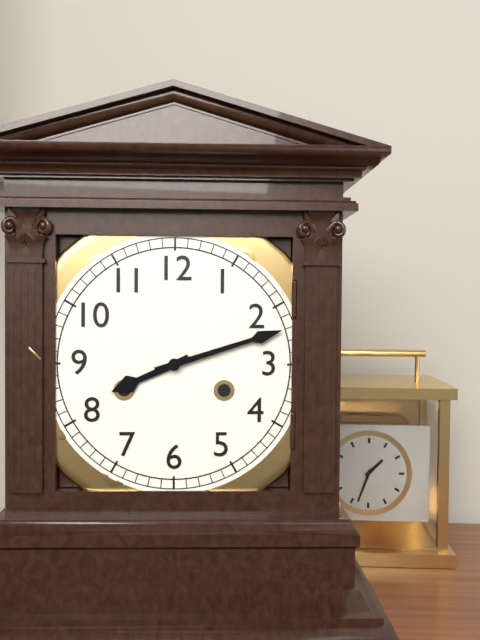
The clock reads 8h12
